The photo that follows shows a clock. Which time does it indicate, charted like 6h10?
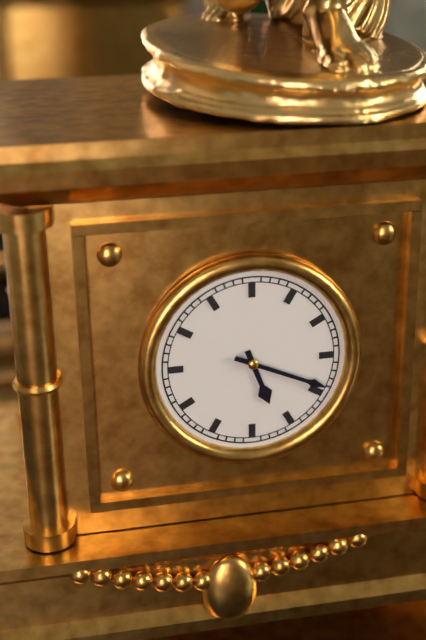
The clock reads 5h19
